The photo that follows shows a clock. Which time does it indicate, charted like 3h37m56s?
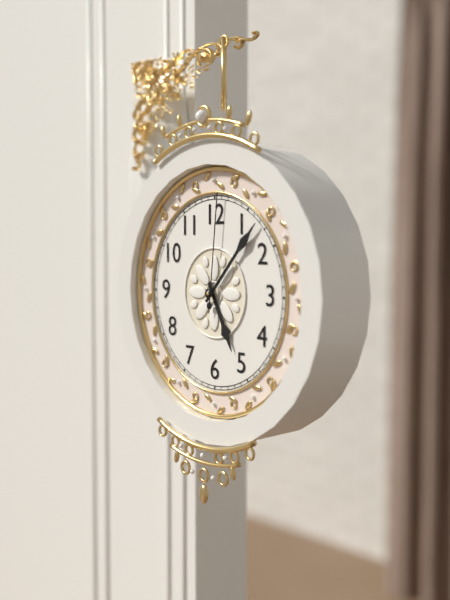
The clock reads 5h07m01s
